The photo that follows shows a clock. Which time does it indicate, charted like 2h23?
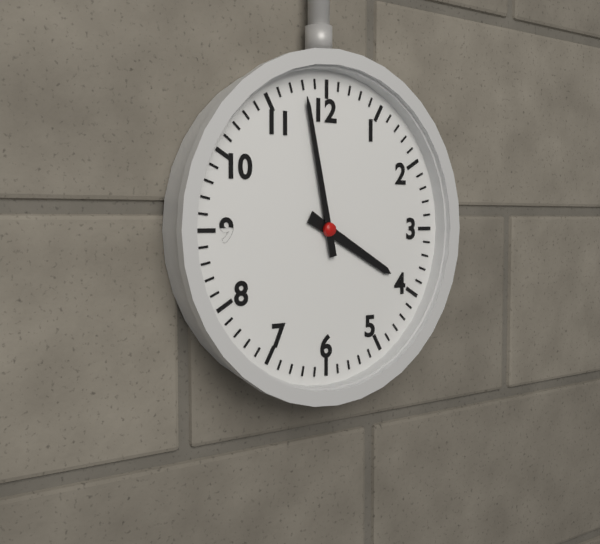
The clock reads 3h58
